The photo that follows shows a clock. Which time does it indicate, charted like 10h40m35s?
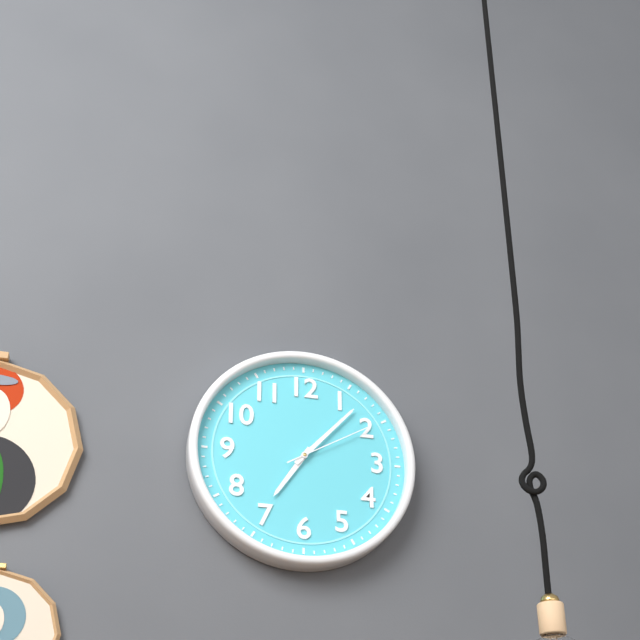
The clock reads 7h07m10s
